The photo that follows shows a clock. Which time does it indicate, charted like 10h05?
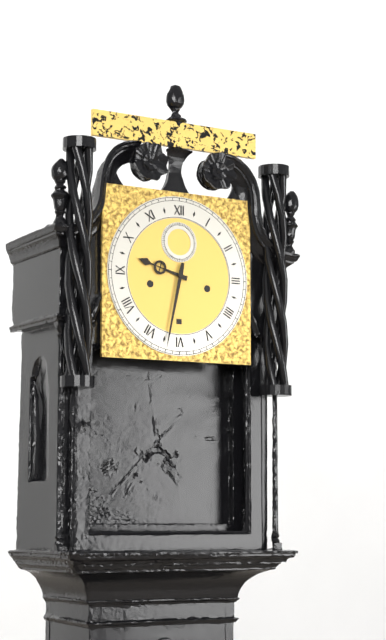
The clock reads 9h32
